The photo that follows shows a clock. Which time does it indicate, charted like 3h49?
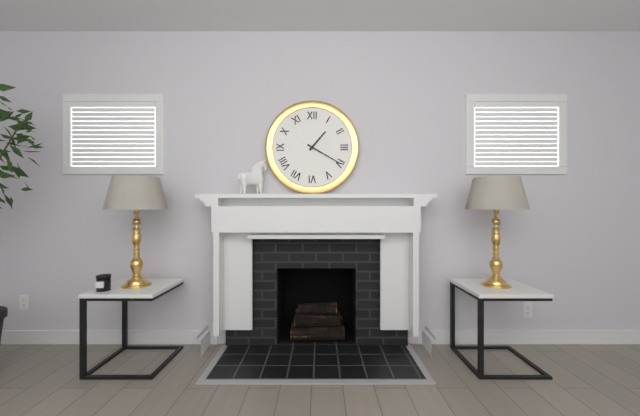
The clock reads 1h20
